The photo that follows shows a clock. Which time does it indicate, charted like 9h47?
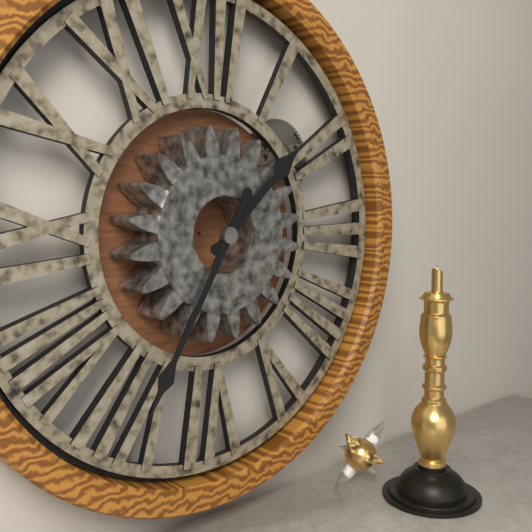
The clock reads 1h35
